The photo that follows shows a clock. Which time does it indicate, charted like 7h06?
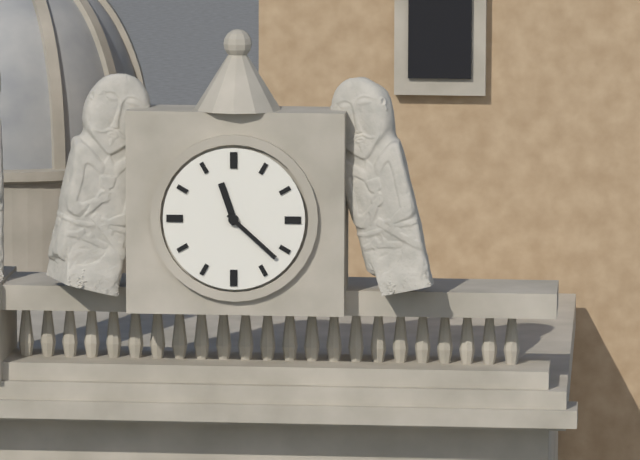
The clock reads 11h22
